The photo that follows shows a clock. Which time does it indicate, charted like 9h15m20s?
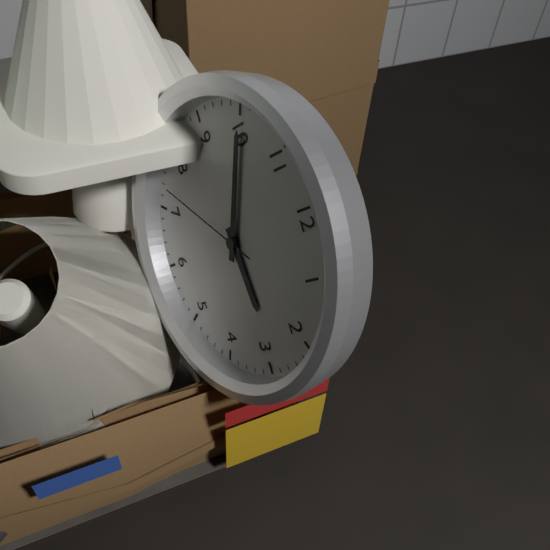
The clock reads 2h50m37s
